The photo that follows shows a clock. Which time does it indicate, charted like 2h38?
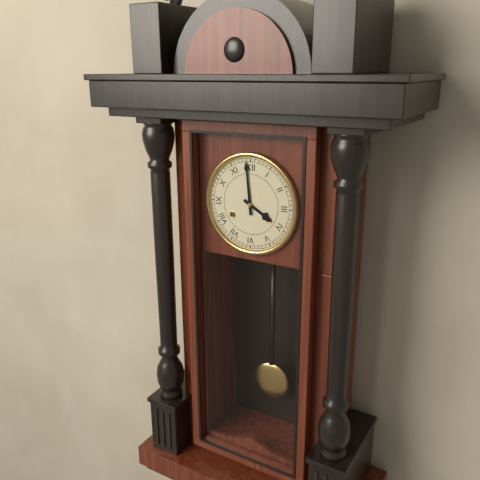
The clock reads 3h59
